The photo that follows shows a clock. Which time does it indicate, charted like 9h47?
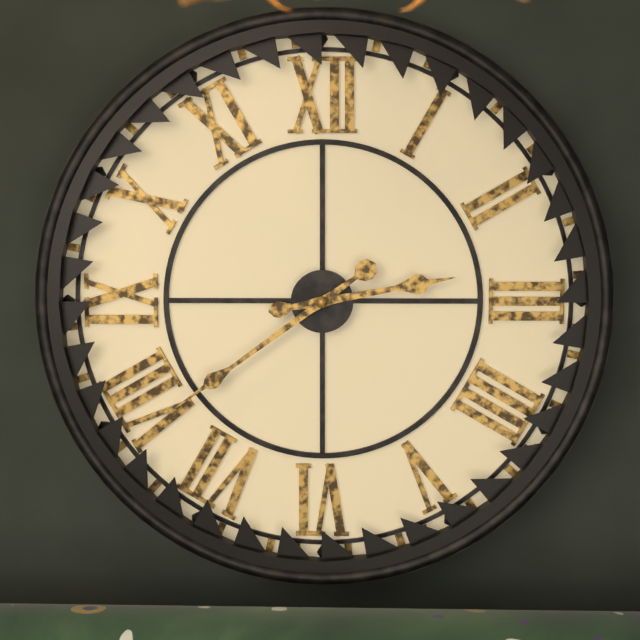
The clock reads 2h39
